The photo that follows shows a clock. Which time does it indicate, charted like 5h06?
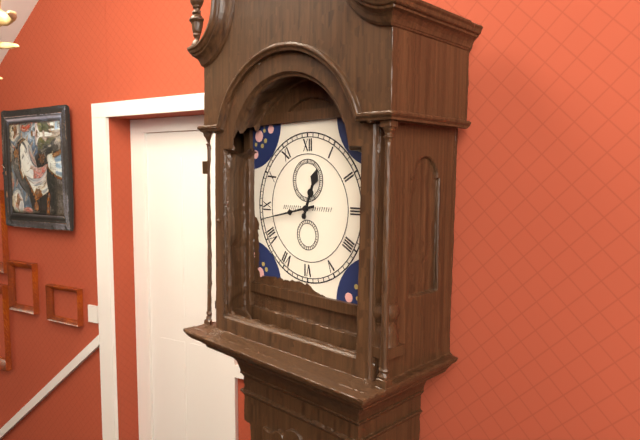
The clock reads 12h43
